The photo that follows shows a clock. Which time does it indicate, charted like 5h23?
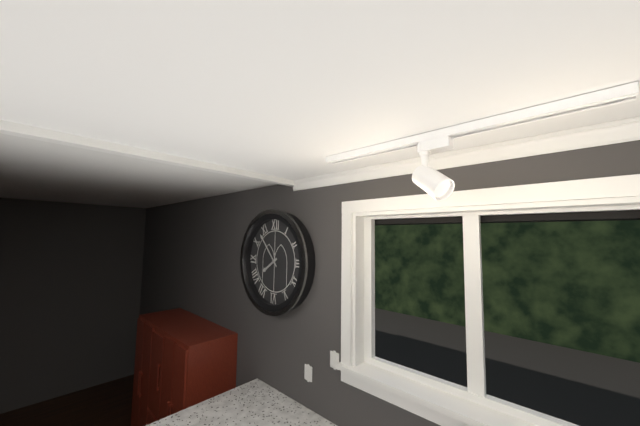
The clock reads 7h53
